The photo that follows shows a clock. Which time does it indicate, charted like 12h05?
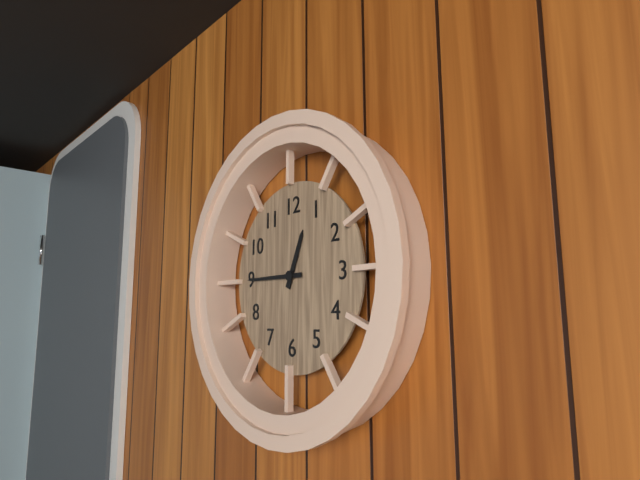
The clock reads 12h45
